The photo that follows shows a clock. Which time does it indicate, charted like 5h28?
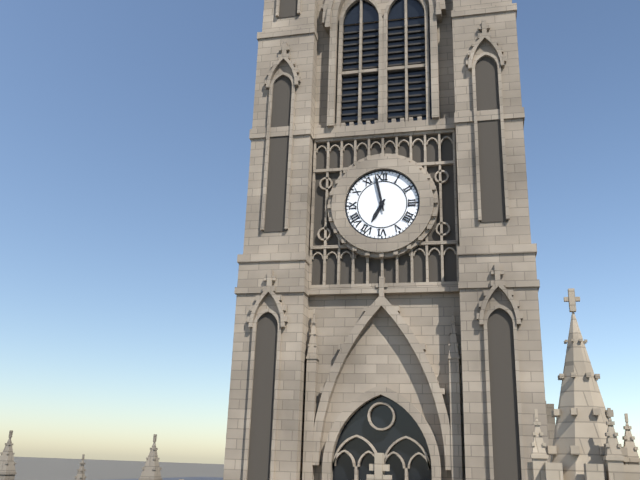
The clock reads 6h58
